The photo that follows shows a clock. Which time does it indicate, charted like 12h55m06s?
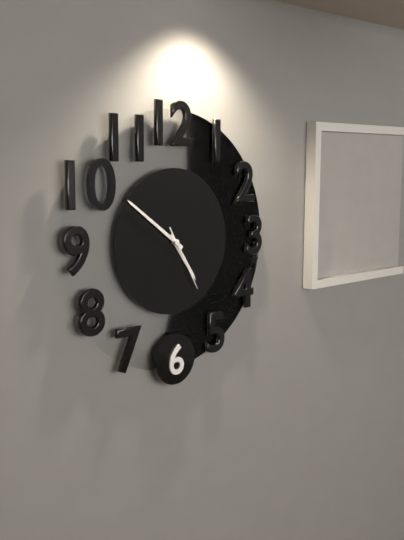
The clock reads 4h51m25s
